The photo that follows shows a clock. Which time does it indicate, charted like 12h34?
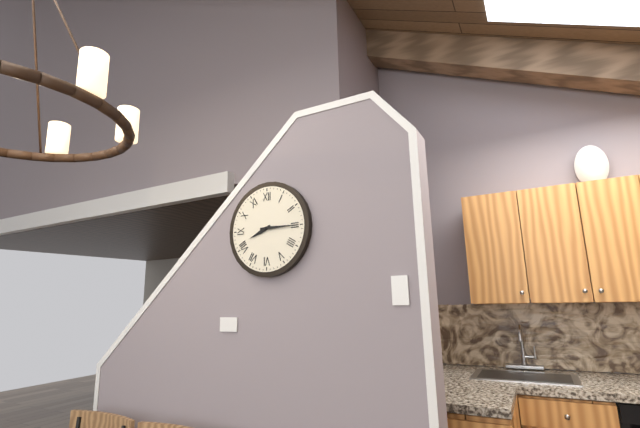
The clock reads 8h15
